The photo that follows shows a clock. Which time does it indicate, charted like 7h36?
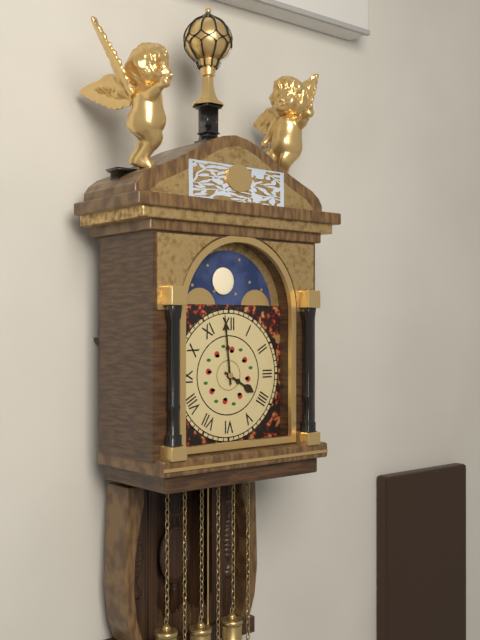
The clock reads 3h59
